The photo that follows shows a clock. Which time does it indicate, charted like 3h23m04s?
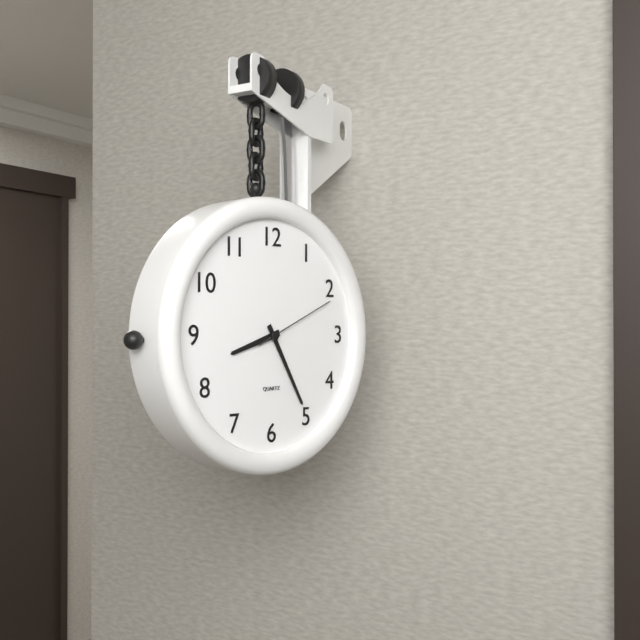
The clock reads 8h25m11s
